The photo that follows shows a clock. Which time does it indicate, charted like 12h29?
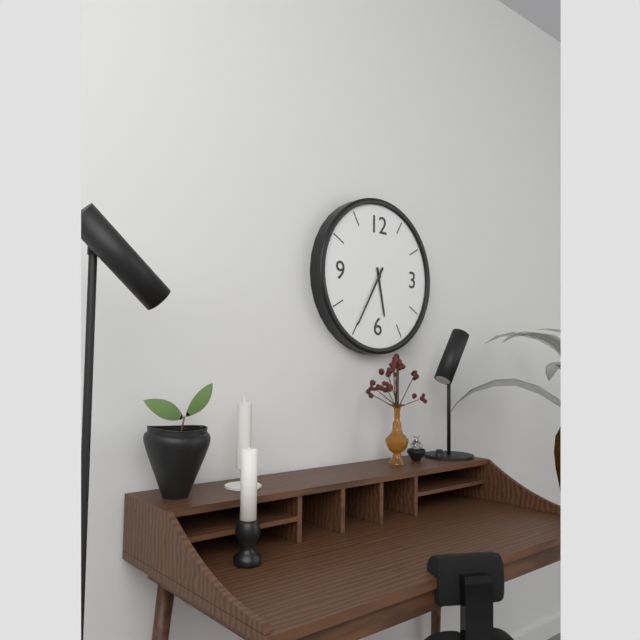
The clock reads 5h35
